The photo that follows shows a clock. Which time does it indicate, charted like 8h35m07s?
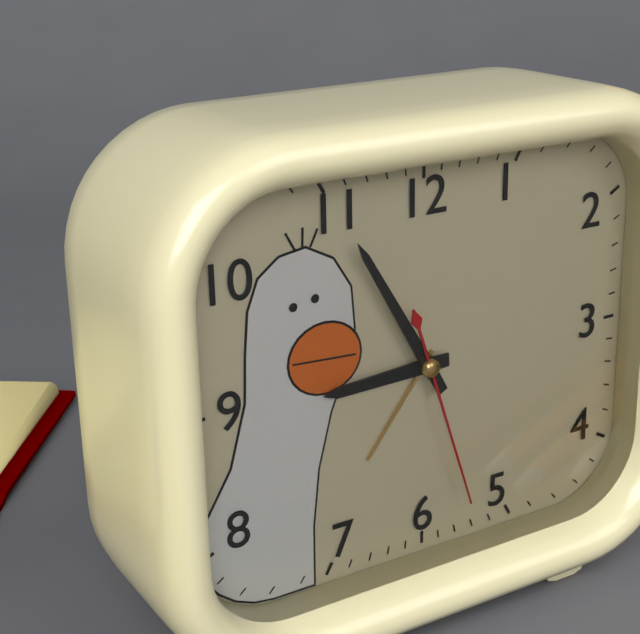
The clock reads 8h55m27s
